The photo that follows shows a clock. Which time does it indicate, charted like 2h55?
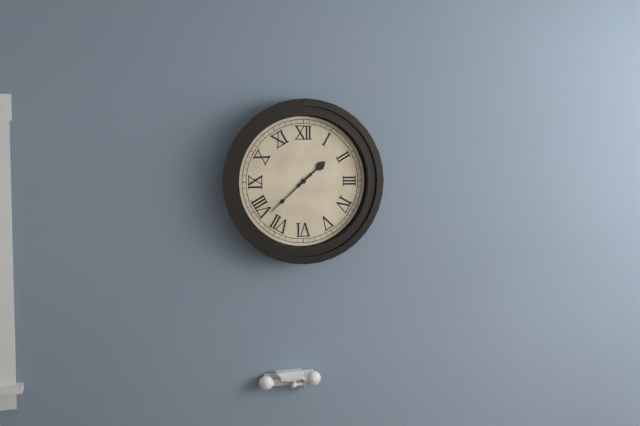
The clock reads 1h38
